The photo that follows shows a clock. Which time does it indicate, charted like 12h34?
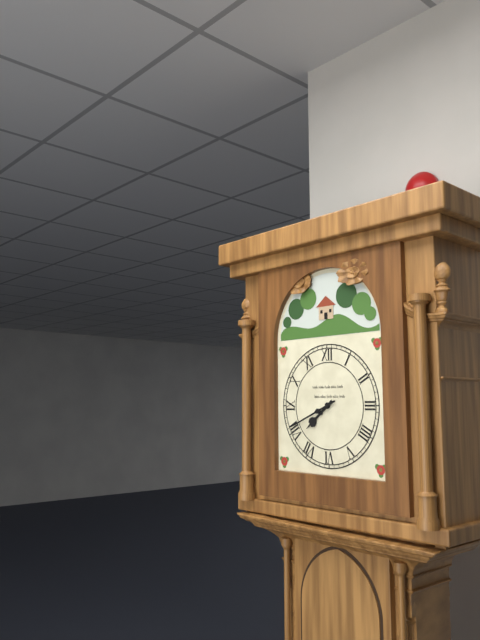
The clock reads 7h41
